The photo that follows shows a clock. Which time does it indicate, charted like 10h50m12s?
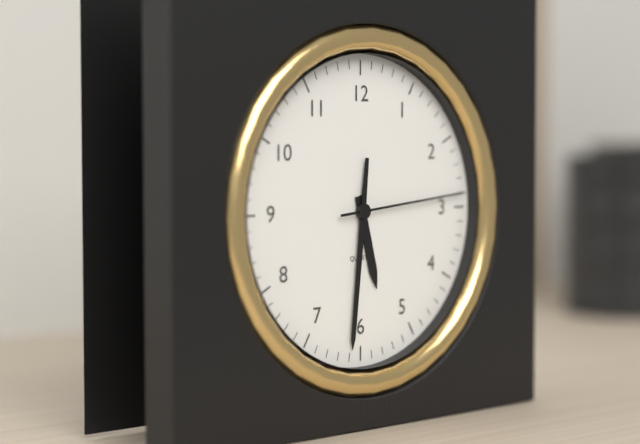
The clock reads 5h31m14s
